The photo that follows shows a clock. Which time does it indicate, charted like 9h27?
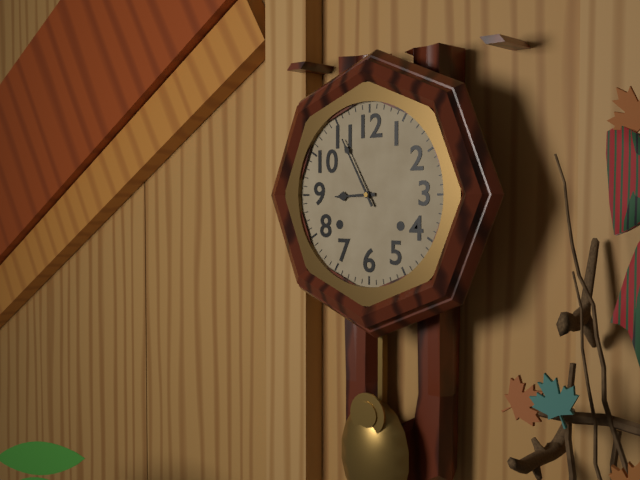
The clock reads 8h55
